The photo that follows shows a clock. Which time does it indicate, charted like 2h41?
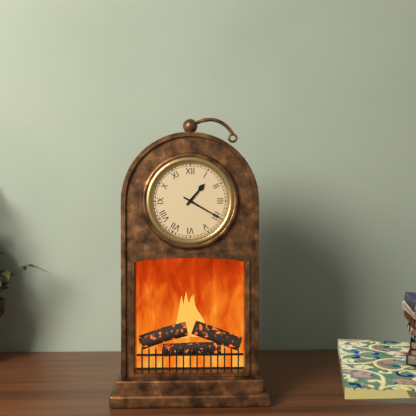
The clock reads 1h20
